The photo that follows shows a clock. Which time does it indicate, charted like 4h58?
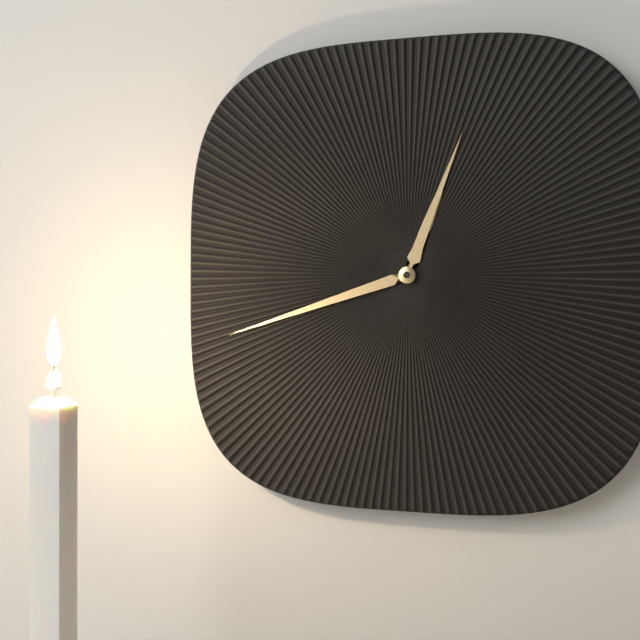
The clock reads 12h42
